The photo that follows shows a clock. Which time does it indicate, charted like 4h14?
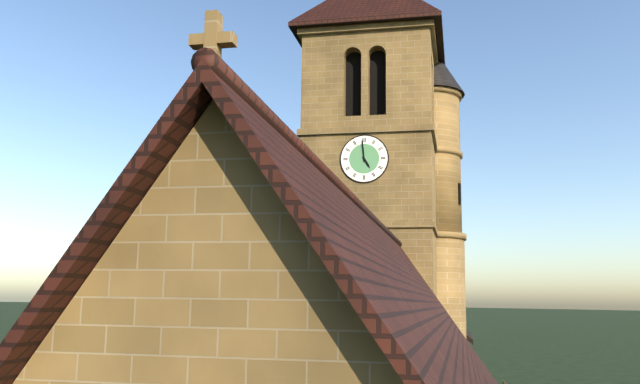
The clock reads 4h59
